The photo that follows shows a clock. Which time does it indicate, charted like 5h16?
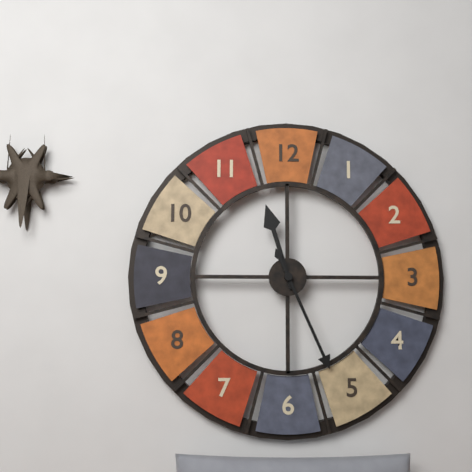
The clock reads 11h26
